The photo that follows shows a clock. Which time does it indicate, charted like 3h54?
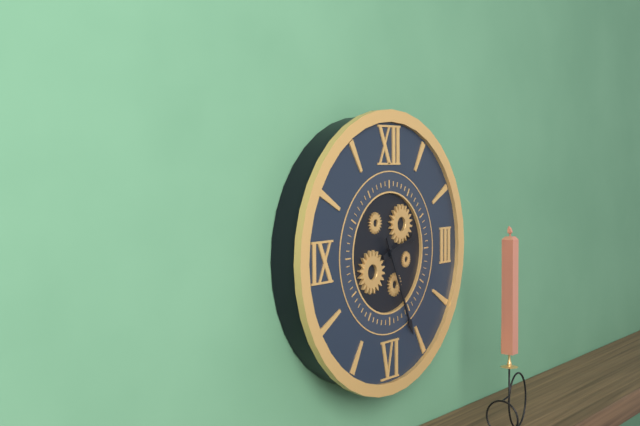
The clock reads 2h26
